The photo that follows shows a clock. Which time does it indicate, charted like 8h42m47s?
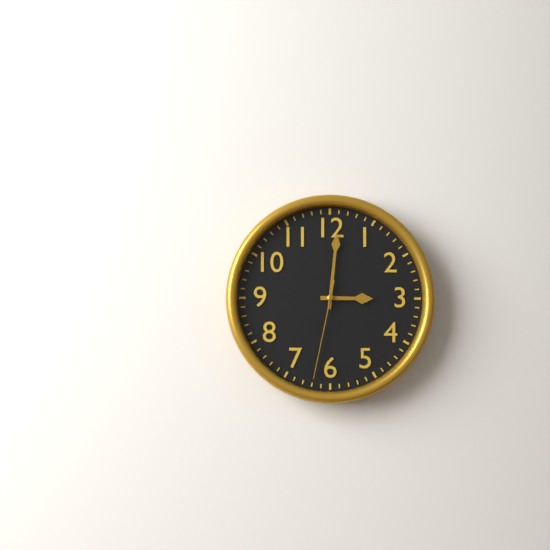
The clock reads 3h01m32s
